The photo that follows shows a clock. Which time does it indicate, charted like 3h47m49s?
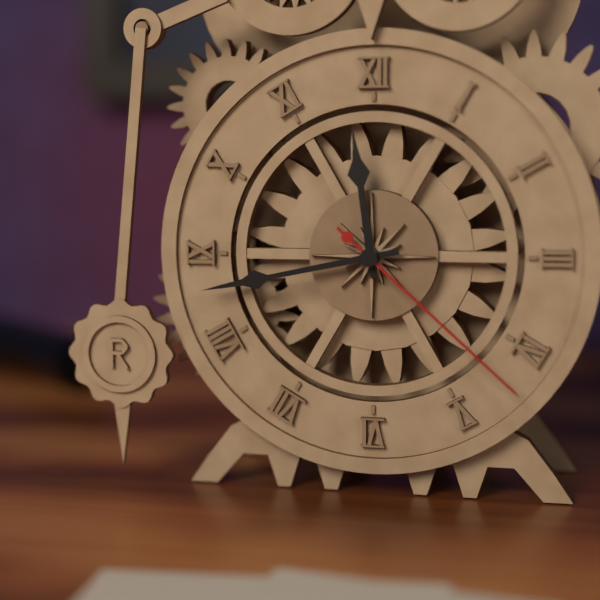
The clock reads 11h43m22s
